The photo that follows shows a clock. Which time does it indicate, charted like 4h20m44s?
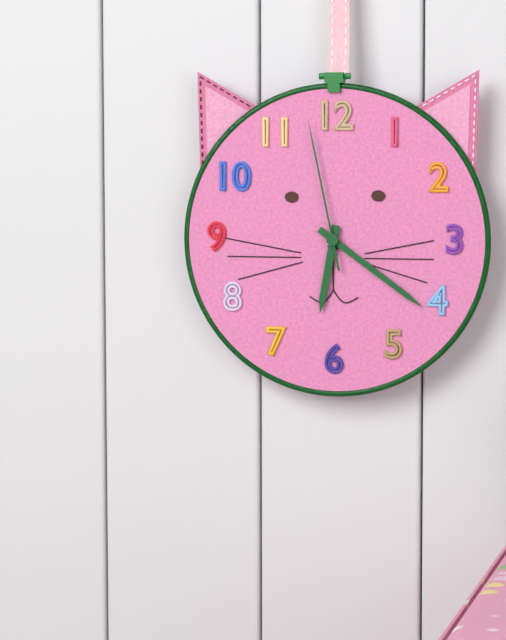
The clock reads 6h21m58s
